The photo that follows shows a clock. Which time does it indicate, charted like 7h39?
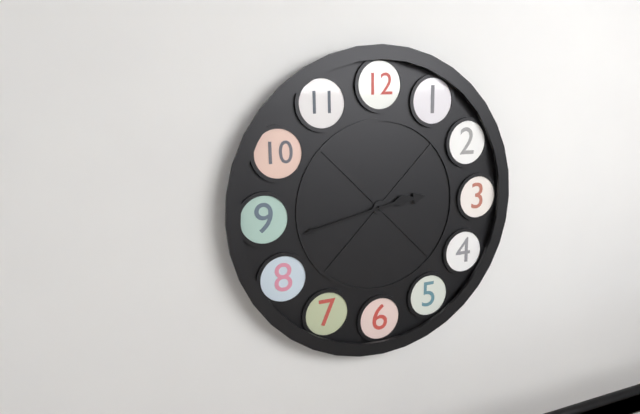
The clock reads 2h43
